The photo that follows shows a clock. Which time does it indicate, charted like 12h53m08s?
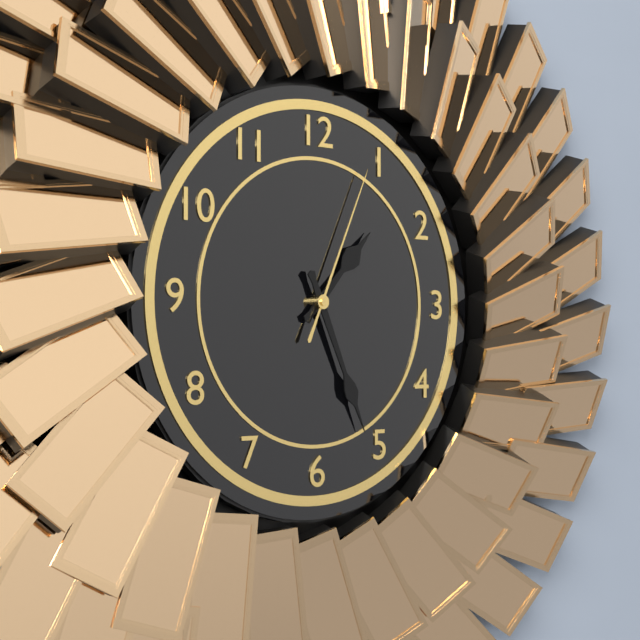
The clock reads 1h26m04s
